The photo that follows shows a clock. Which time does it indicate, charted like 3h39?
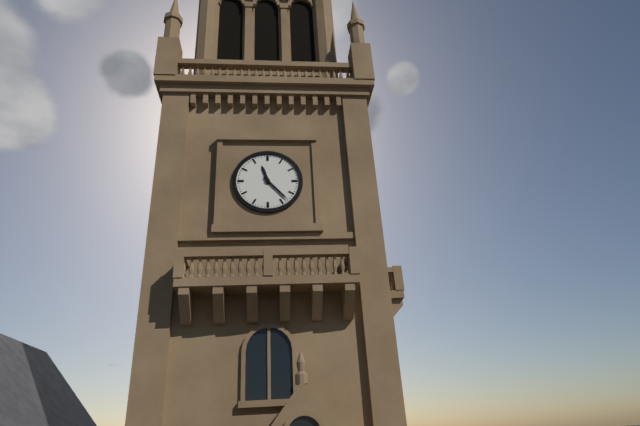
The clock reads 11h23
